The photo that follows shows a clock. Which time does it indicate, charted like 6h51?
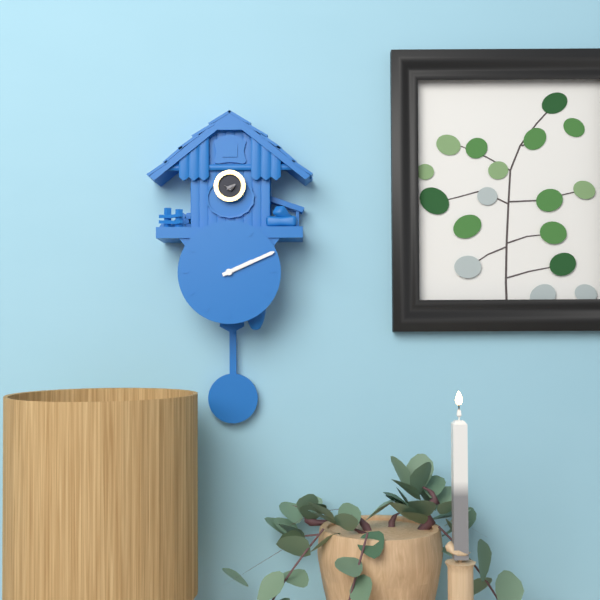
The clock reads 2h11
